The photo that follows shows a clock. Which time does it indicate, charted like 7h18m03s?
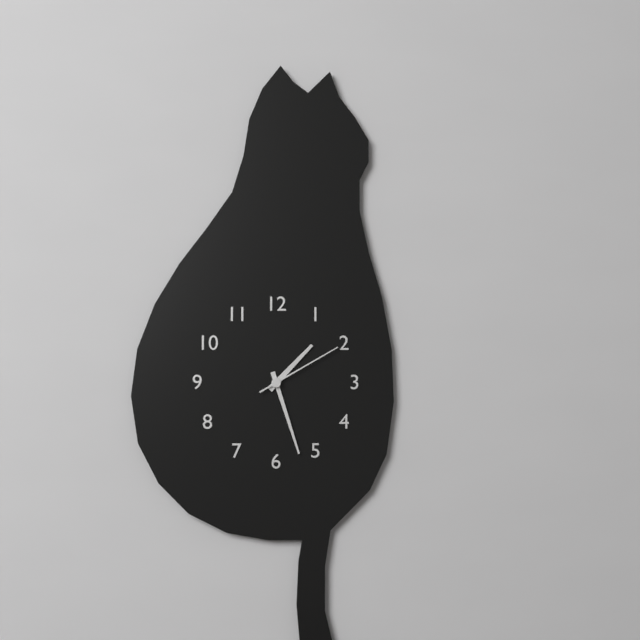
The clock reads 1h27m10s
